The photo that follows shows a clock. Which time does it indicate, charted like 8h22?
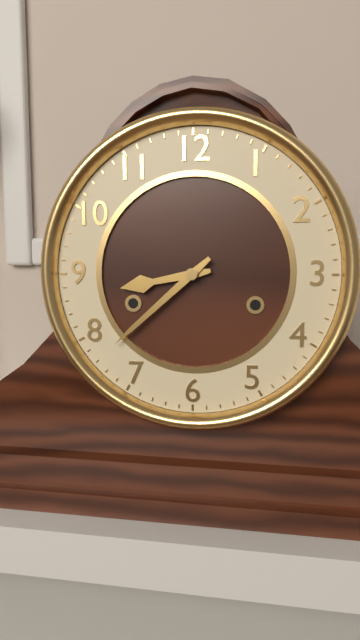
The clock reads 8h38
